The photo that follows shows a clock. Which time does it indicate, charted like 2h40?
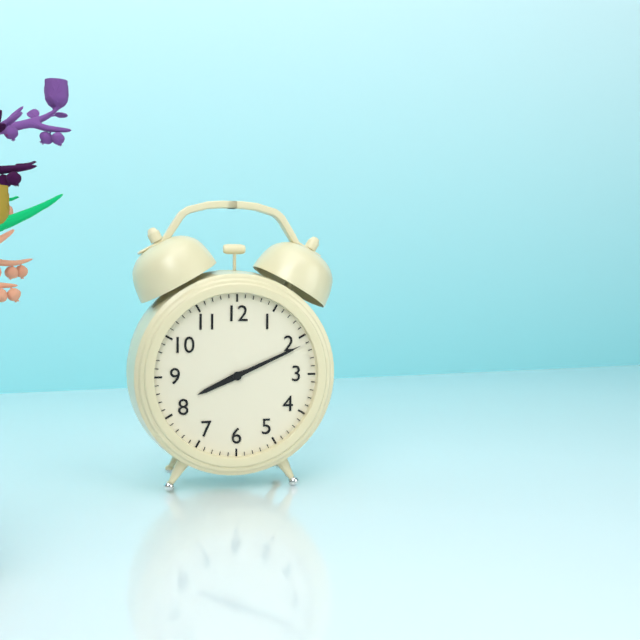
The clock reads 8h11
